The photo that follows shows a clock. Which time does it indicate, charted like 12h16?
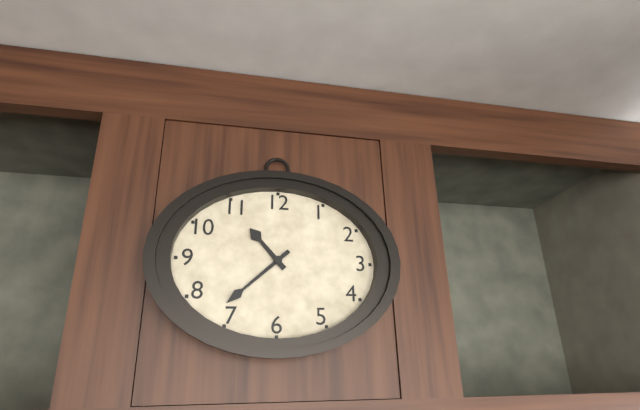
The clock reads 10h38
